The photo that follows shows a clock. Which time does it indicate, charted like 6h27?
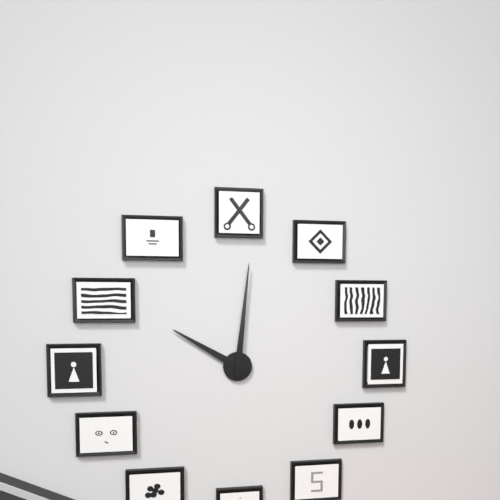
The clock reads 10h01
